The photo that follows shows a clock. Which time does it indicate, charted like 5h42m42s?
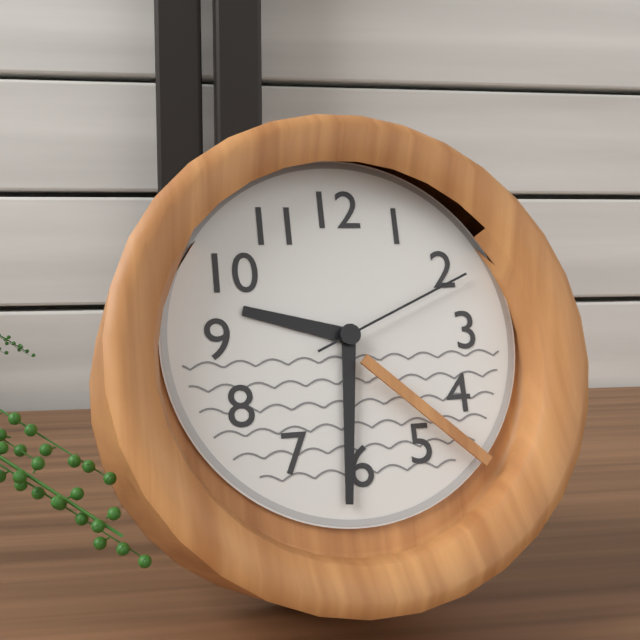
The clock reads 9h31m11s
